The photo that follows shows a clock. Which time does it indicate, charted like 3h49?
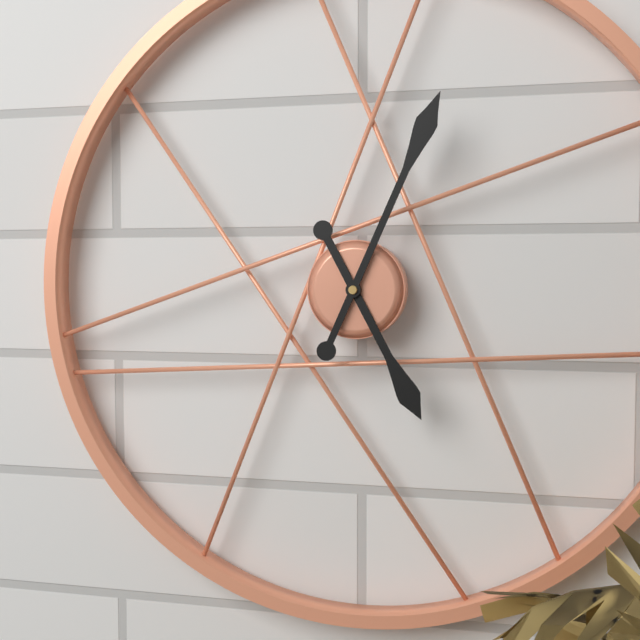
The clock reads 5h04
